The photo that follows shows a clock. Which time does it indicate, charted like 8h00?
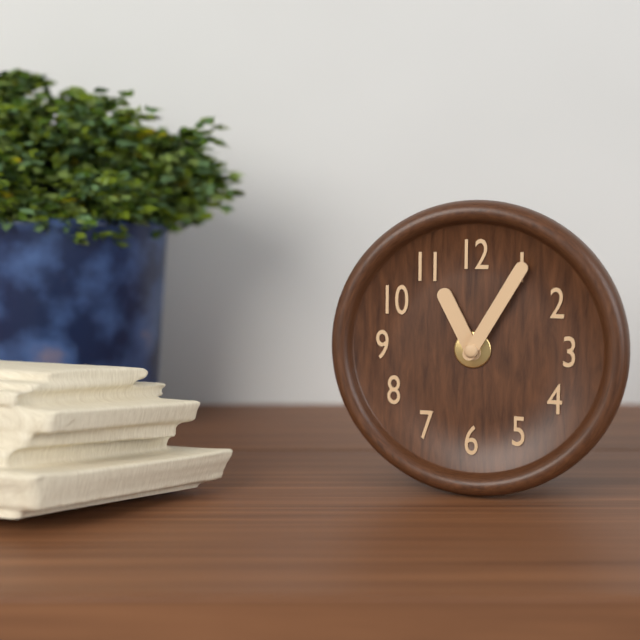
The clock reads 11h05
